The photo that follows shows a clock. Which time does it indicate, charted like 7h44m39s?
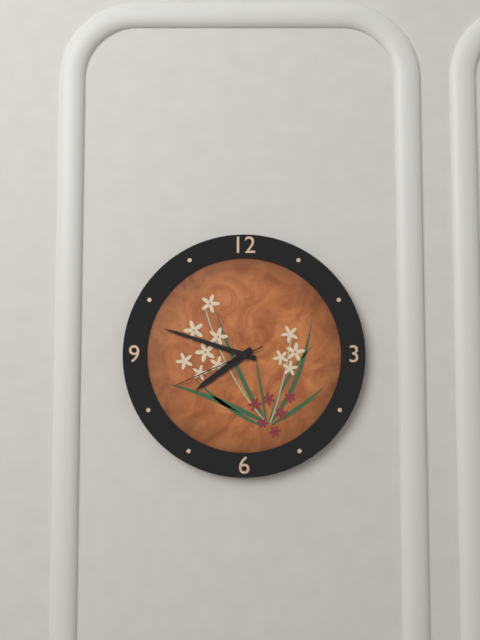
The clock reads 7h48m41s
